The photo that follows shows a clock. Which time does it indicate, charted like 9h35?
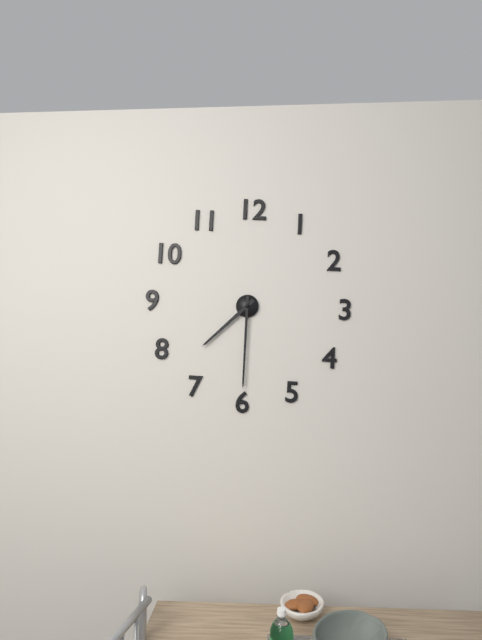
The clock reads 7h30
